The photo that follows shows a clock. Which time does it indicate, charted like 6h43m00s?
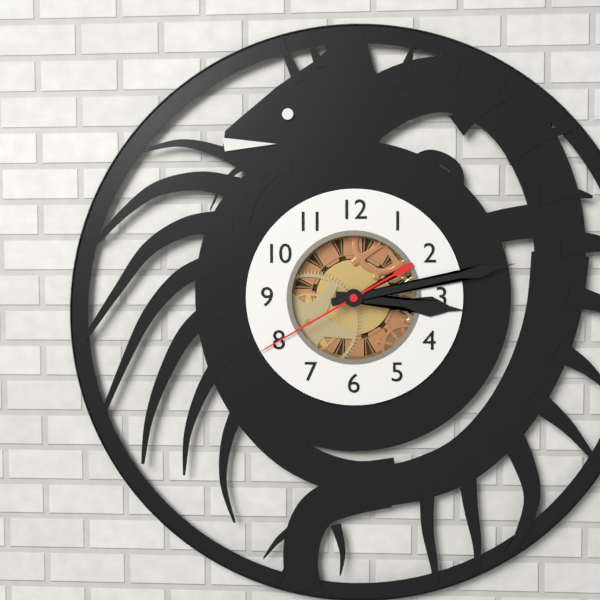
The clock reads 3h13m40s
